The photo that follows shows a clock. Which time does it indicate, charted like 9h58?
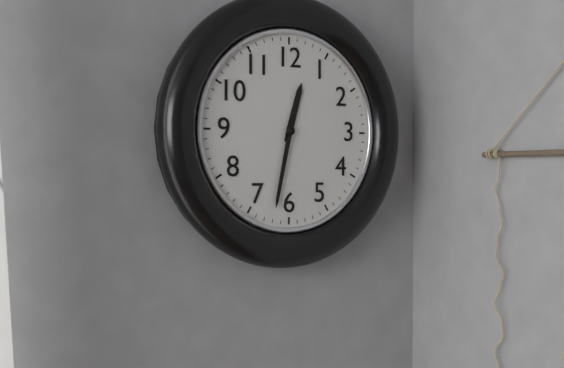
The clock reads 12h32
